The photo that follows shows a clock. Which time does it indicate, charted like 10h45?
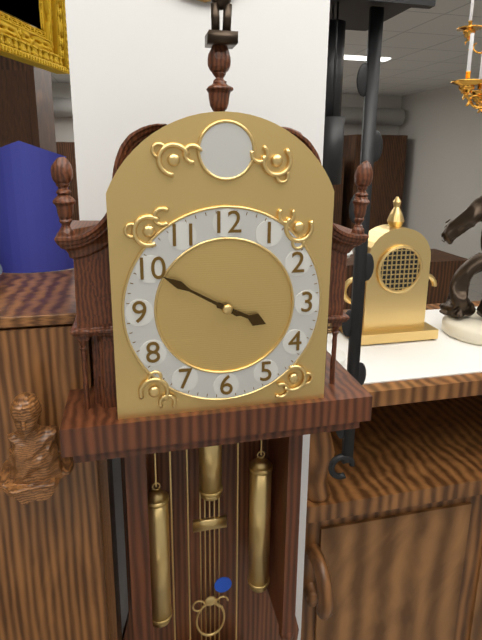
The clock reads 3h50
